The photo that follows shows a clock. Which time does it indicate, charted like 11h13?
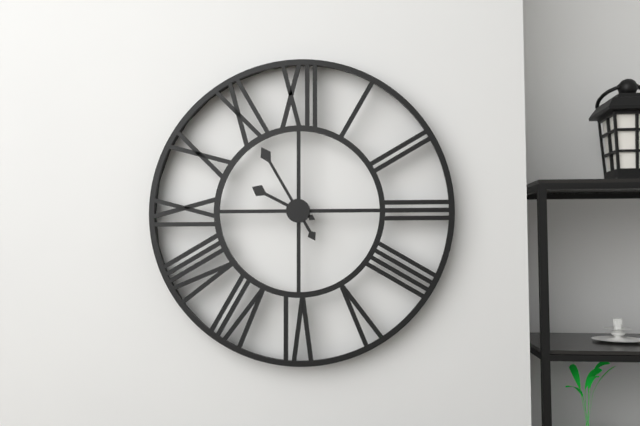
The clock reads 9h55
